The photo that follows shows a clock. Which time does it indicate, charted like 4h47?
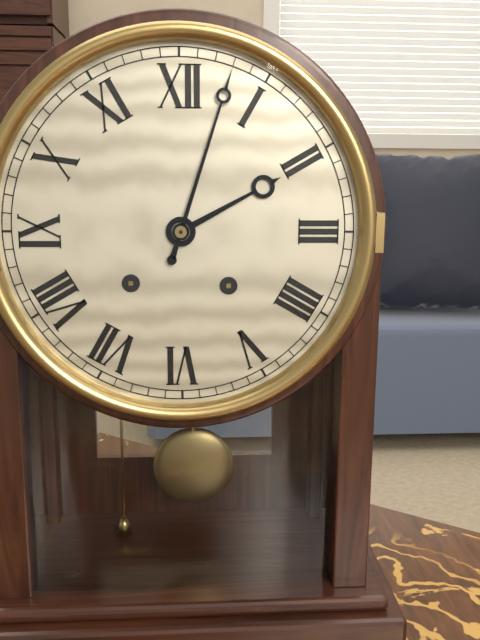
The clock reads 2h03
